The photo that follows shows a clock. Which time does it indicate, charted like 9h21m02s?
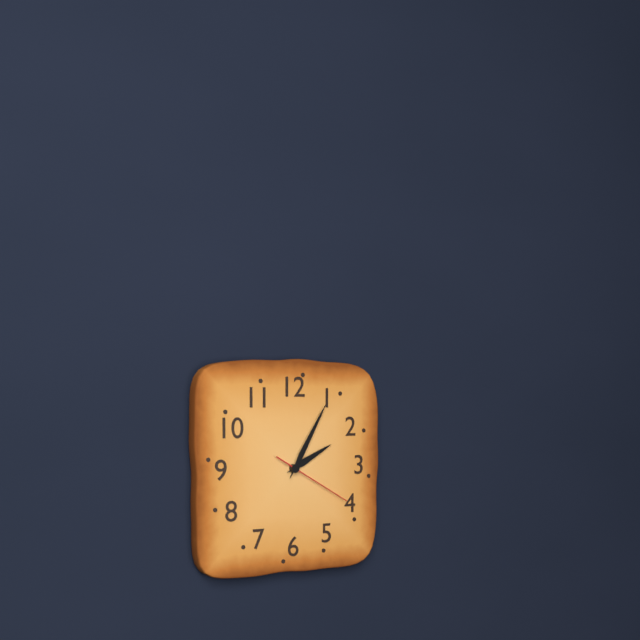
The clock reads 2h05m20s
